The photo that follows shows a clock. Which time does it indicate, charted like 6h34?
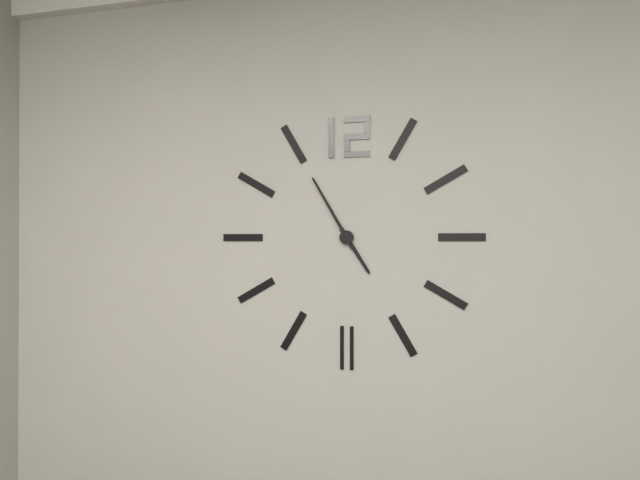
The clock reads 4h55
